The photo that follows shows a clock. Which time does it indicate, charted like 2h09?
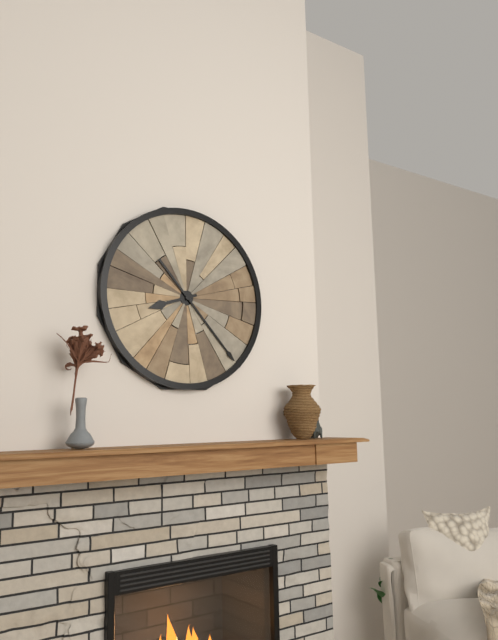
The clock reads 8h23
